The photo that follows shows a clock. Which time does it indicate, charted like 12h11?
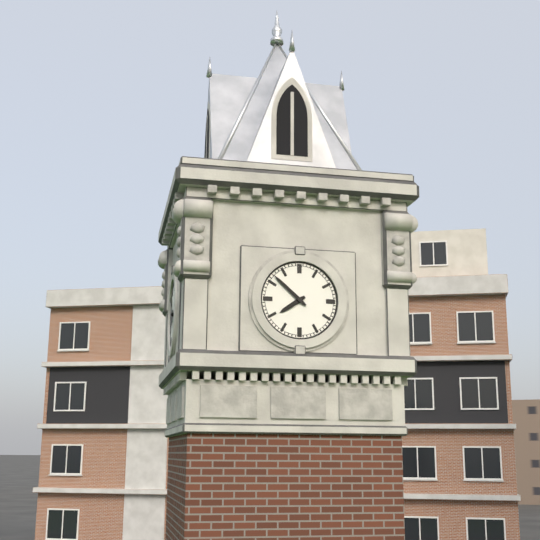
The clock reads 7h52
